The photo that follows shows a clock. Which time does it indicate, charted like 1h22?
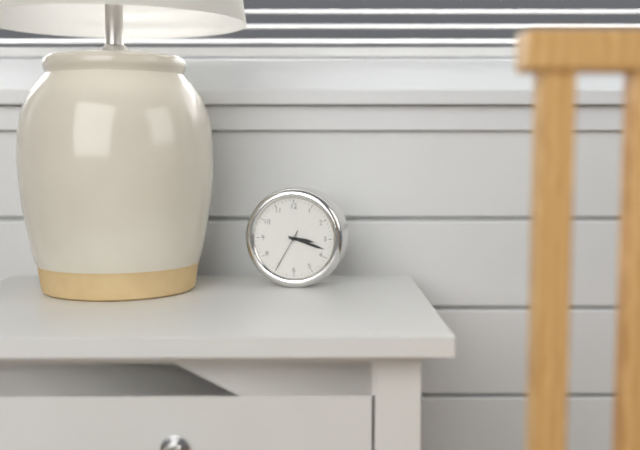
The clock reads 3h18
